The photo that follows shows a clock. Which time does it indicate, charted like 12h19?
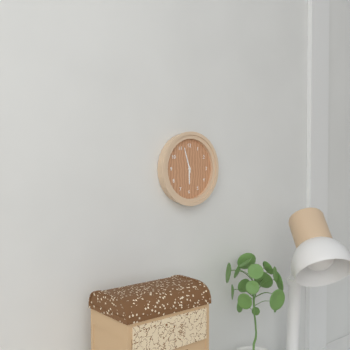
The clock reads 5h57
